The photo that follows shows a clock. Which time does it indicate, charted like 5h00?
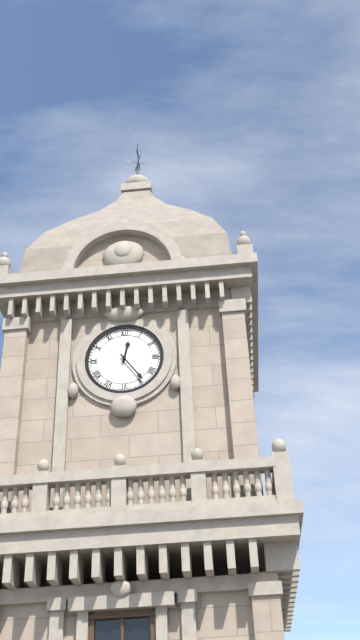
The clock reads 12h24
